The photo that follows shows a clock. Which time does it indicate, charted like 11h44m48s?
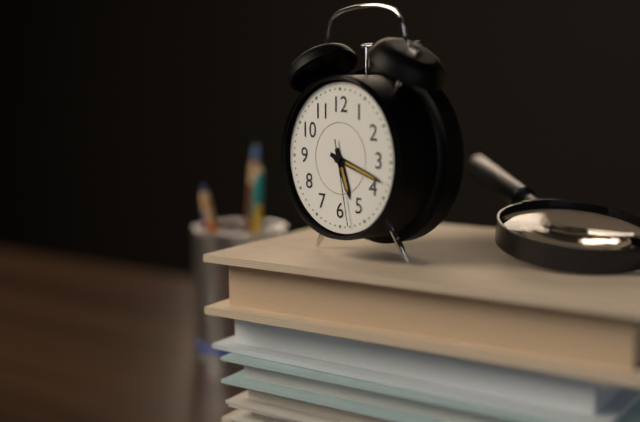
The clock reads 5h18m28s
